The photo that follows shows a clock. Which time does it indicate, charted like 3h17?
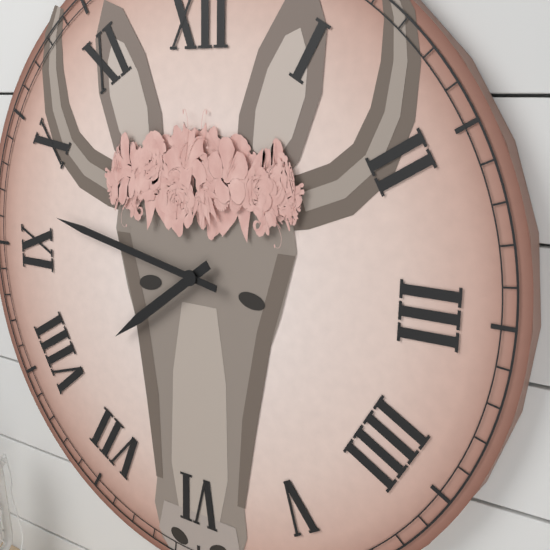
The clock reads 7h47
